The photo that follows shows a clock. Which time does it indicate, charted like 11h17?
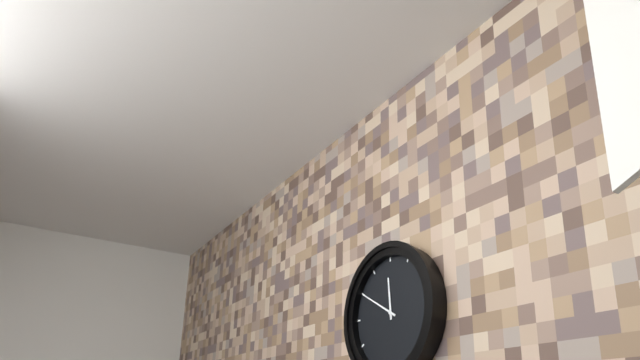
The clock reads 11h50
